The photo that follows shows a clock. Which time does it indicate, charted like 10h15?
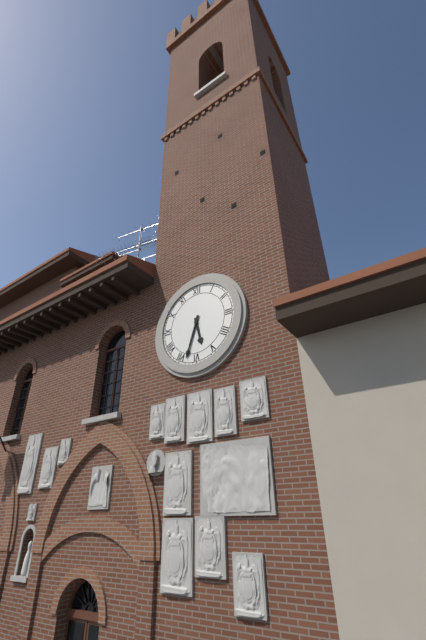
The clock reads 5h33
